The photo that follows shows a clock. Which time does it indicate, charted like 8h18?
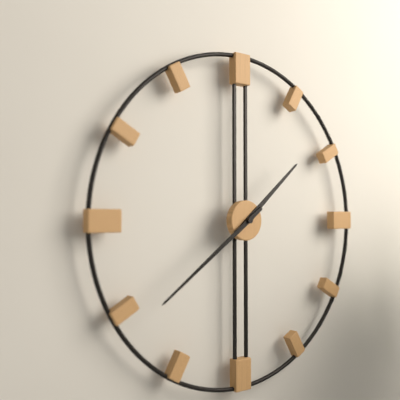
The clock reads 1h39
